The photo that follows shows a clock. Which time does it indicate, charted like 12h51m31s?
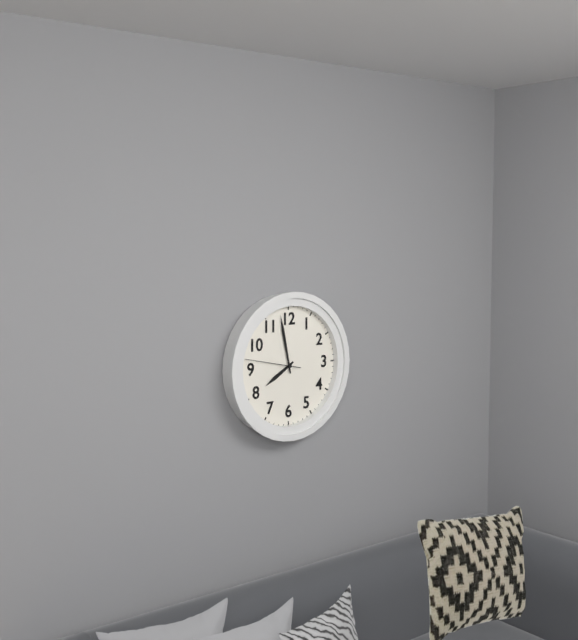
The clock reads 7h58m47s
